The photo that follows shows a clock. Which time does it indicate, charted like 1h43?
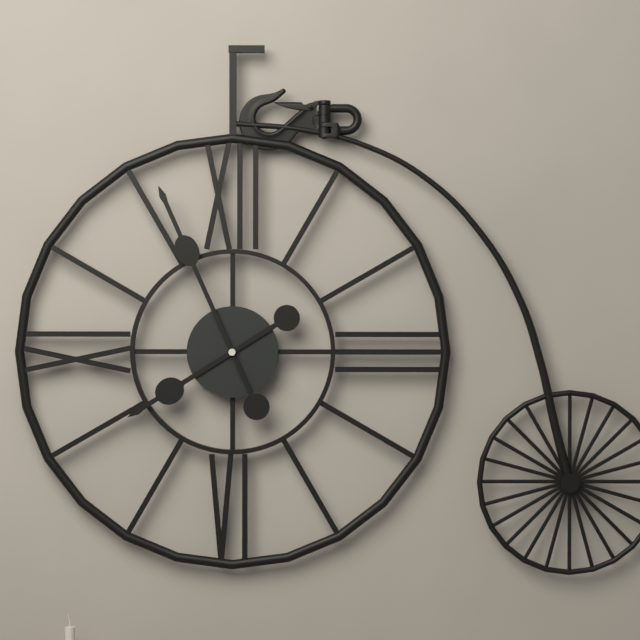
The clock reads 7h56
